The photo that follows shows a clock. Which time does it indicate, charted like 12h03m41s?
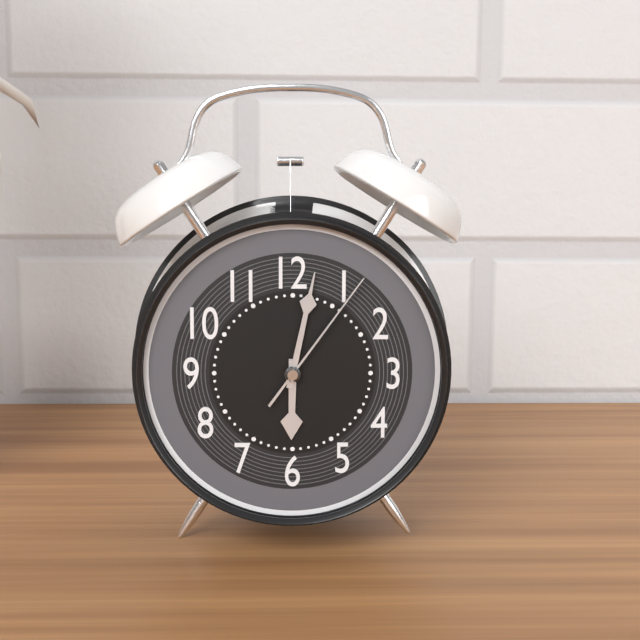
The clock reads 6h02m06s
